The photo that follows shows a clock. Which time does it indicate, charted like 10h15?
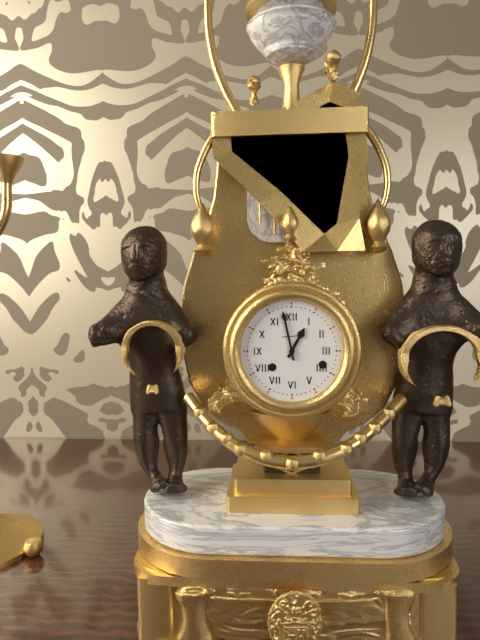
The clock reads 12h58
